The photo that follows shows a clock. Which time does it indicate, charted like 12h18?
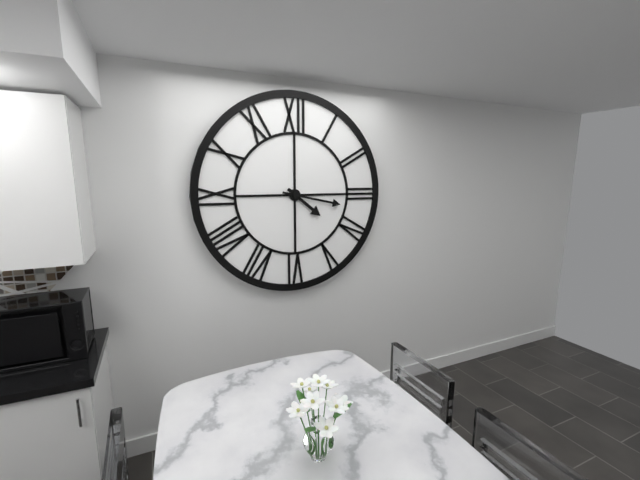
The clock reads 4h17
